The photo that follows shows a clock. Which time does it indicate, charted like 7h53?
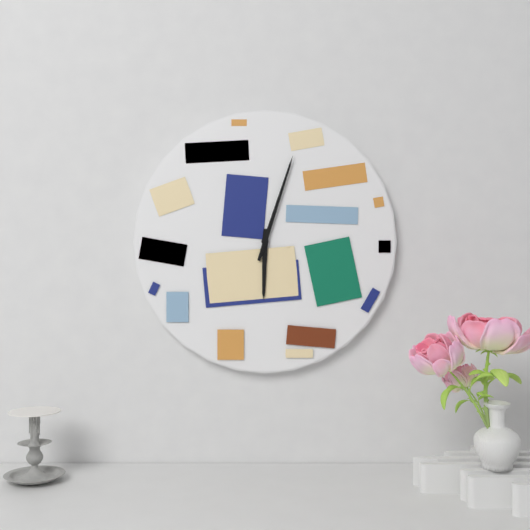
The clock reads 6h03
